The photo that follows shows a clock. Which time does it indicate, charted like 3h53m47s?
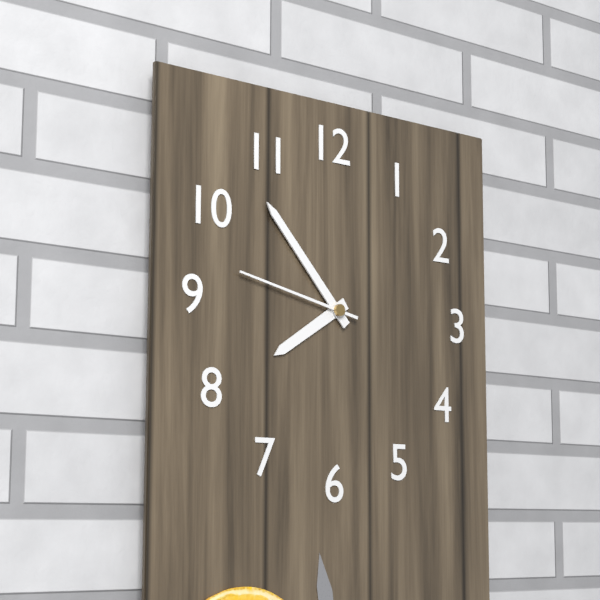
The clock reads 7h53m47s
